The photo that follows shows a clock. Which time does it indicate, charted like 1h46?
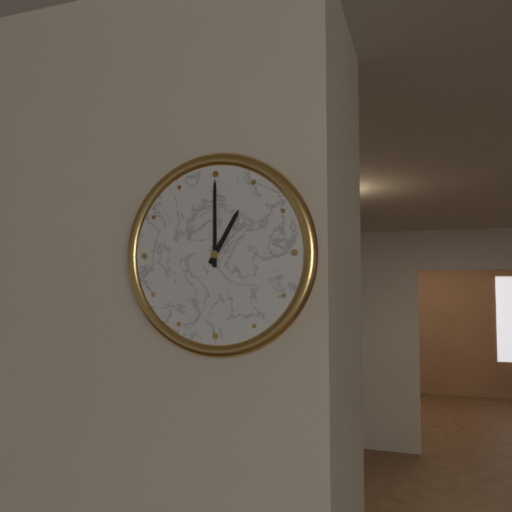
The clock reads 1h00
